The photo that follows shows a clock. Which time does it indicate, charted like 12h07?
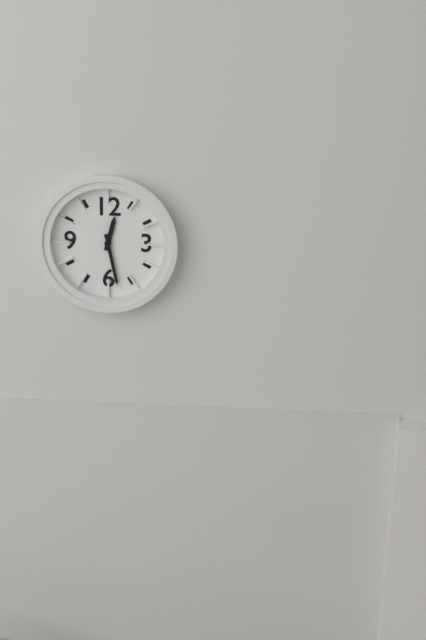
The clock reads 12h28
